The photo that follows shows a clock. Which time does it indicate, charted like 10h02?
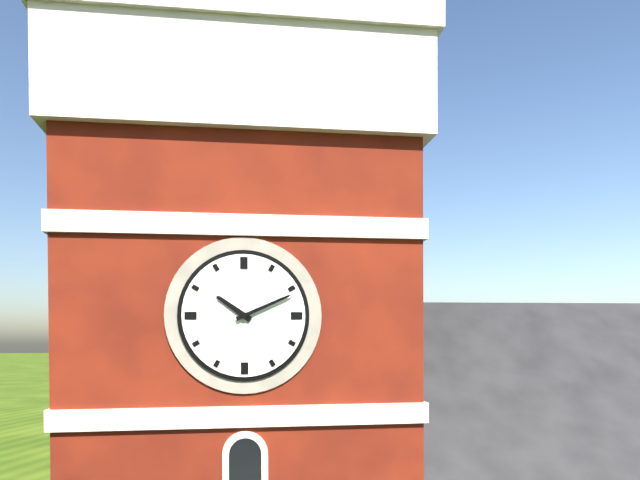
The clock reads 10h11
